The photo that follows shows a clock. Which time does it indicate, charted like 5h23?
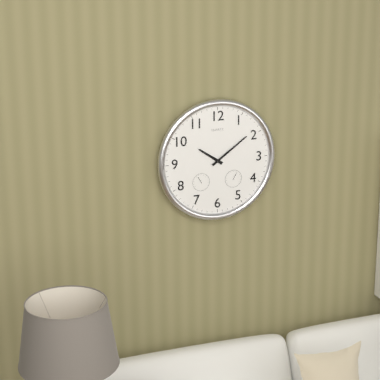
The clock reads 10h09
